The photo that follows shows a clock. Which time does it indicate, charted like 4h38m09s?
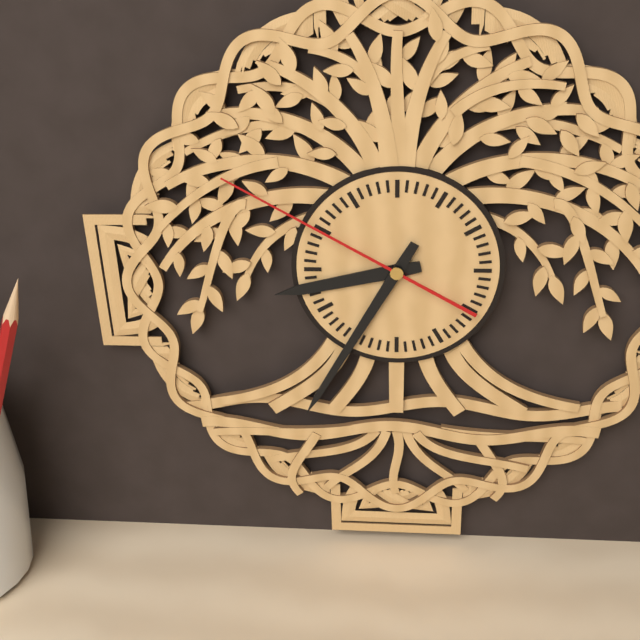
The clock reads 8h35m50s
